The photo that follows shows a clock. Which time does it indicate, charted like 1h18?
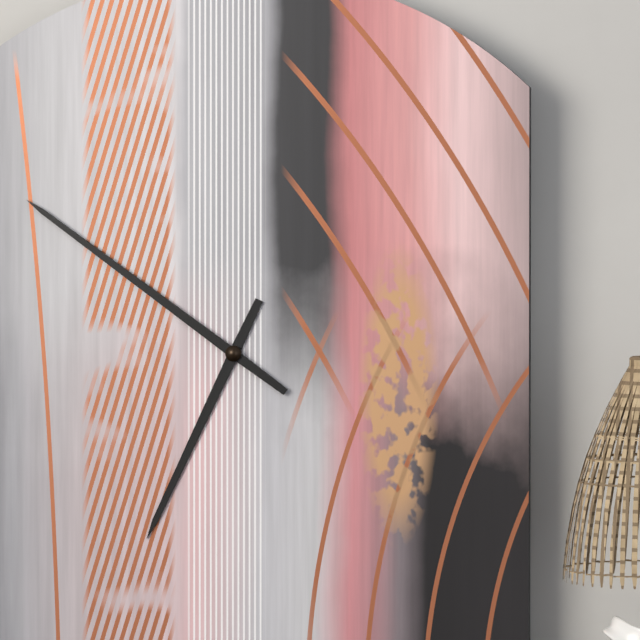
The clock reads 6h51
